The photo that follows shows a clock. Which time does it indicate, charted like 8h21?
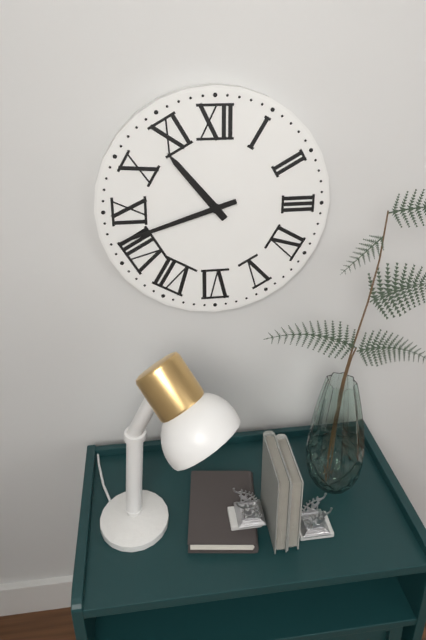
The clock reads 10h42
